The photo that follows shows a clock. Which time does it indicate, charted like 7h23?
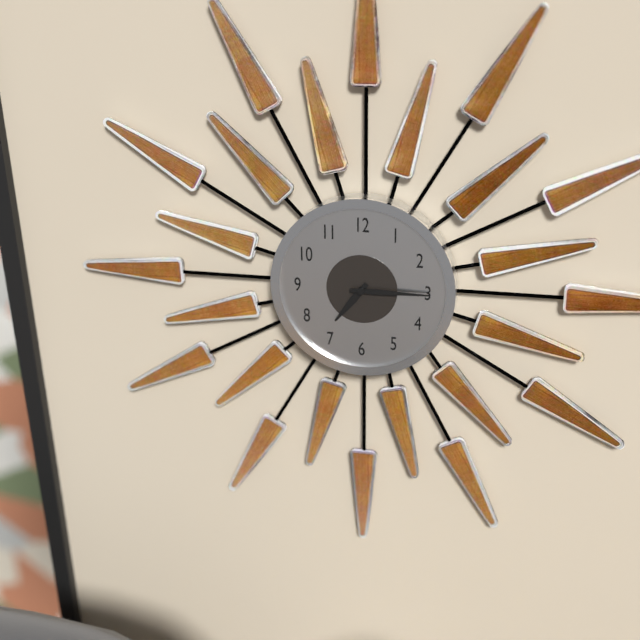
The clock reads 7h15
